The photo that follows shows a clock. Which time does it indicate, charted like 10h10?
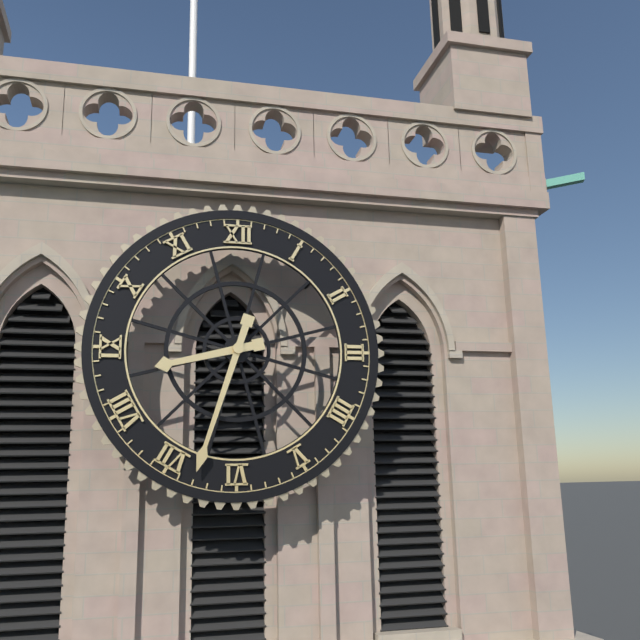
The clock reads 8h33
